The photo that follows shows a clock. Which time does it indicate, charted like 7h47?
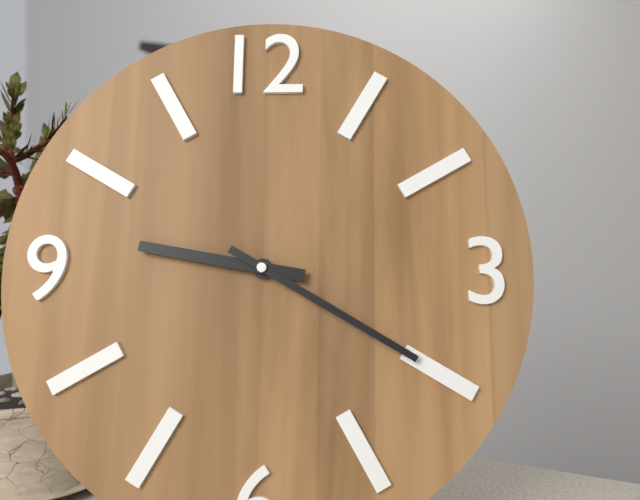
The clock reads 9h20
